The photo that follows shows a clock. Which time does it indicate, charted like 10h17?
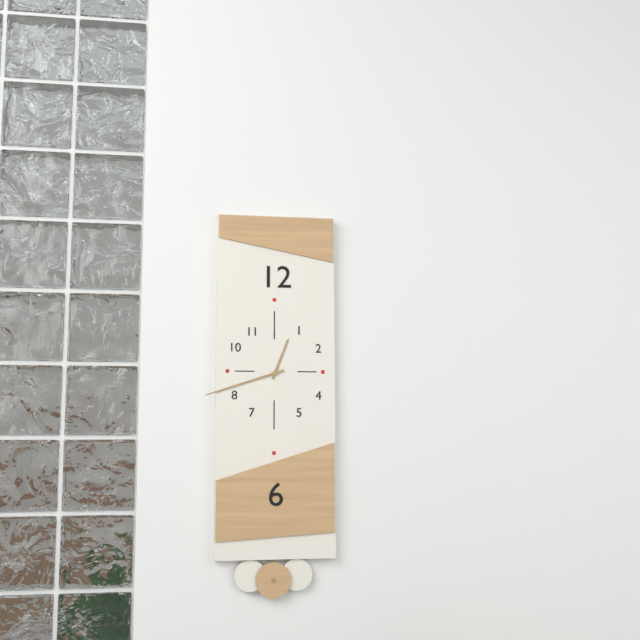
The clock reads 12h42
